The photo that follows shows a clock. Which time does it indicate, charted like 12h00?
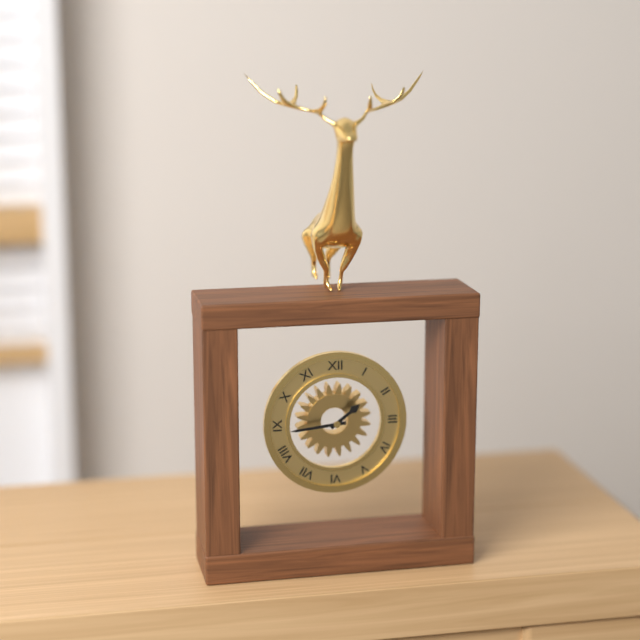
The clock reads 1h44
